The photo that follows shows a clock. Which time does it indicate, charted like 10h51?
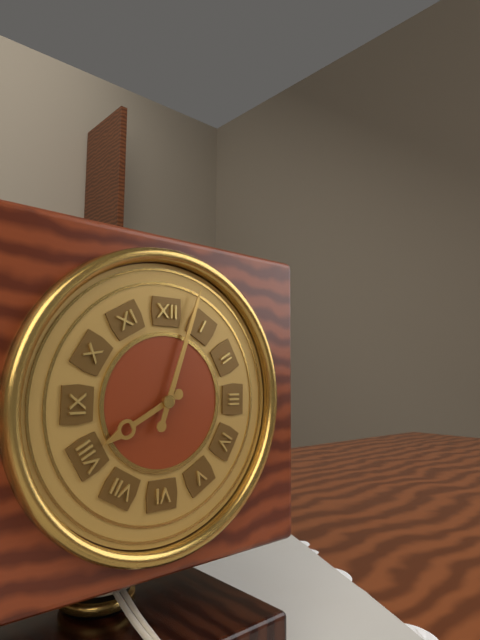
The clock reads 8h03
